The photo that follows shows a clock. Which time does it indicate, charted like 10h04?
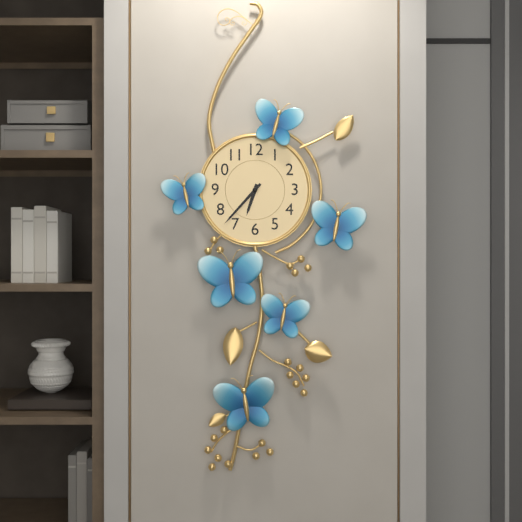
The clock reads 6h37
